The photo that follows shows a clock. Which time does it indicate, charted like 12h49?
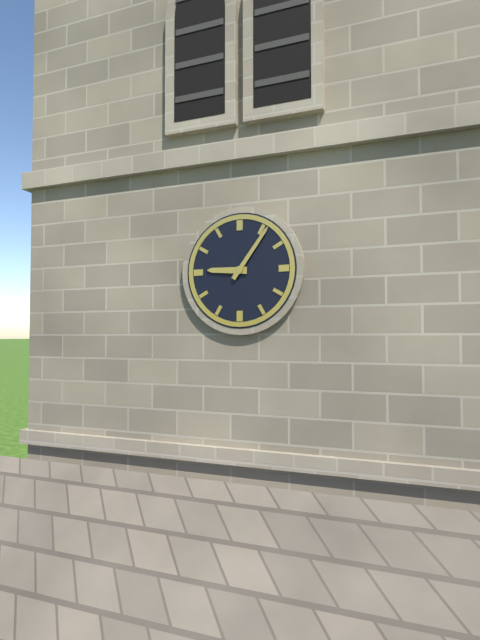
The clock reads 9h06
